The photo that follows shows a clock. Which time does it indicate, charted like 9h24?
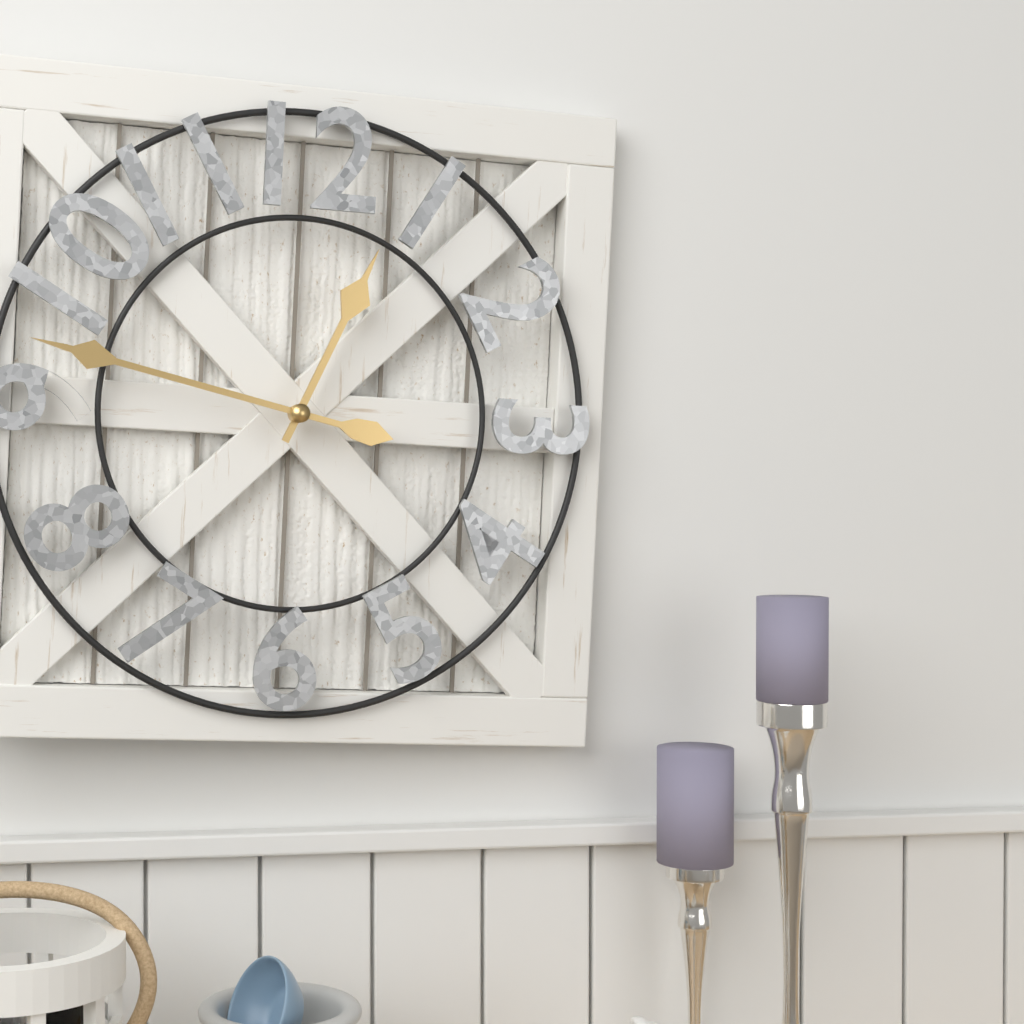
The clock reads 12h47
